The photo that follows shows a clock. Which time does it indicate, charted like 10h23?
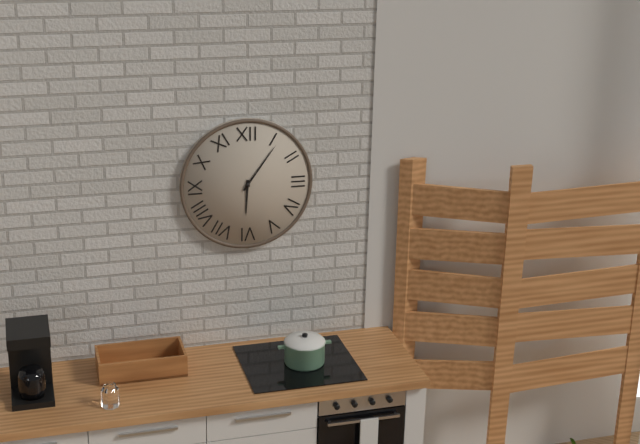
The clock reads 6h06
